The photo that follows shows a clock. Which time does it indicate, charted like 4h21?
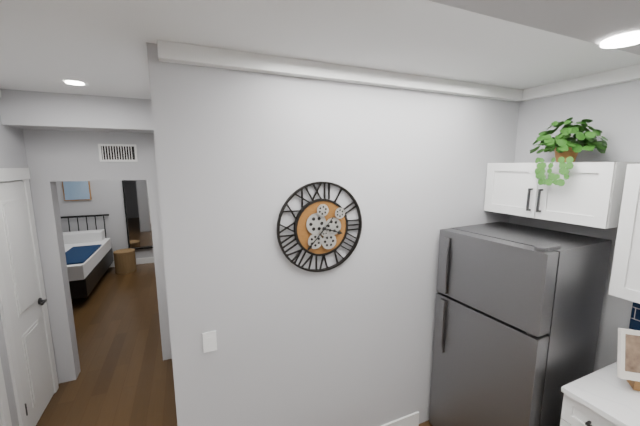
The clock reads 3h37
